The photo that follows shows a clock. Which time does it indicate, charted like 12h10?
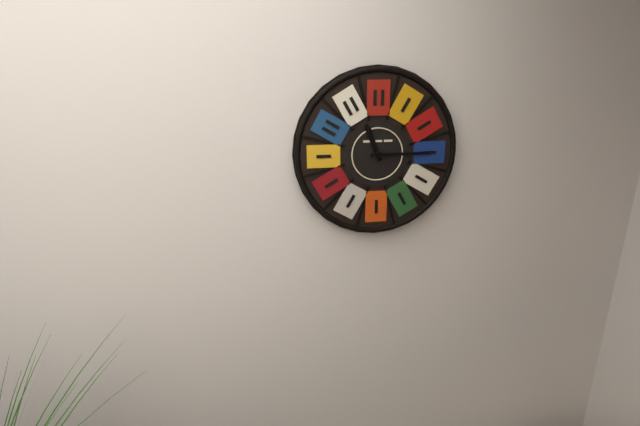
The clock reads 11h15
